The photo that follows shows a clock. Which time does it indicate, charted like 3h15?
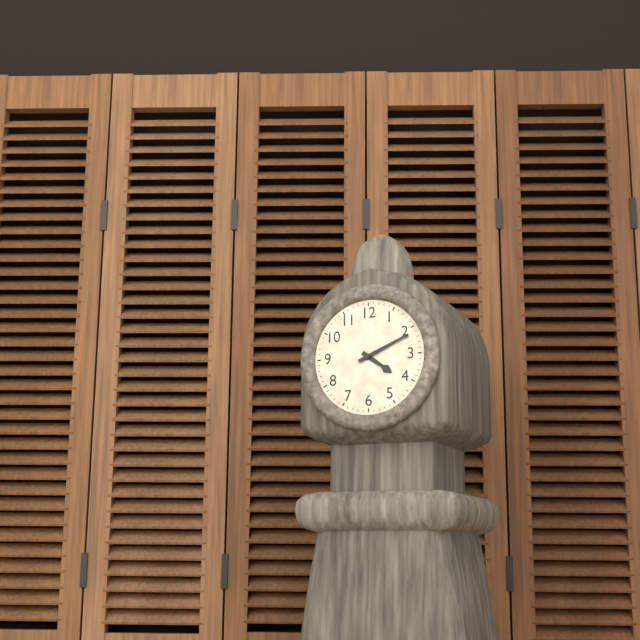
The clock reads 4h11
